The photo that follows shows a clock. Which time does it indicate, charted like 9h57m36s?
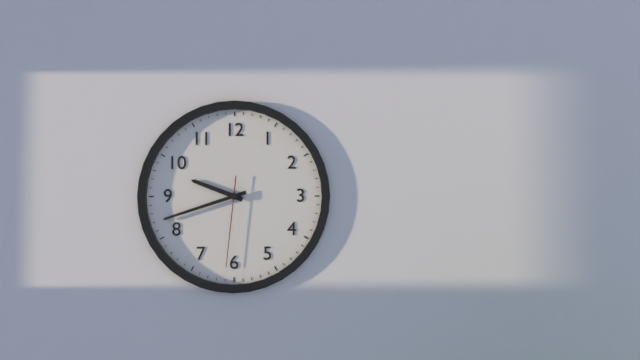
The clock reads 9h42m31s
